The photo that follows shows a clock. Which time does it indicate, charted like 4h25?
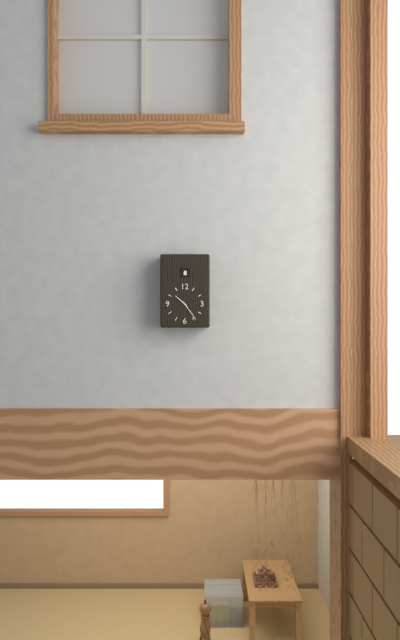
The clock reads 10h24
